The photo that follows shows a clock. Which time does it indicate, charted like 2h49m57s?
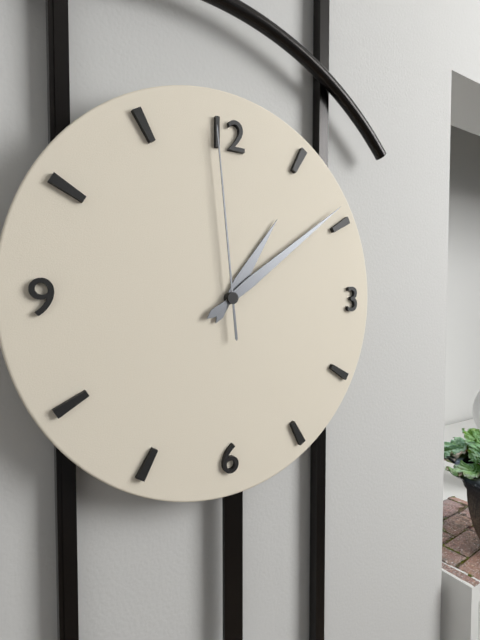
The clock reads 1h09m59s
